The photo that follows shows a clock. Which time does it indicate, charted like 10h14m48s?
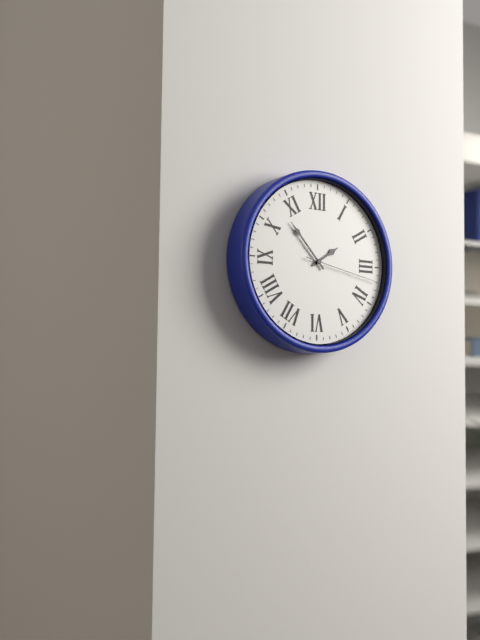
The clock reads 1h53m17s
